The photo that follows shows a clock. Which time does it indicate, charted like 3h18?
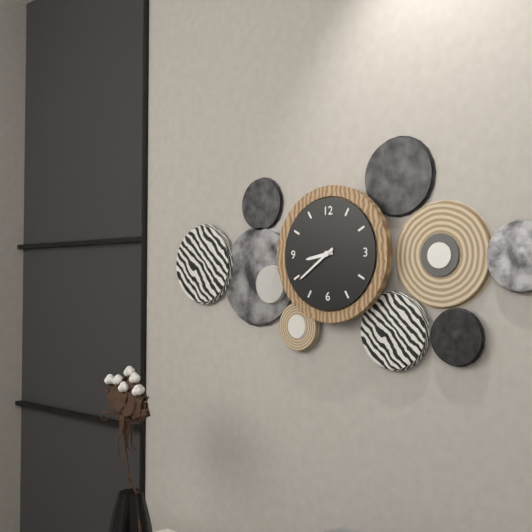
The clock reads 8h39
